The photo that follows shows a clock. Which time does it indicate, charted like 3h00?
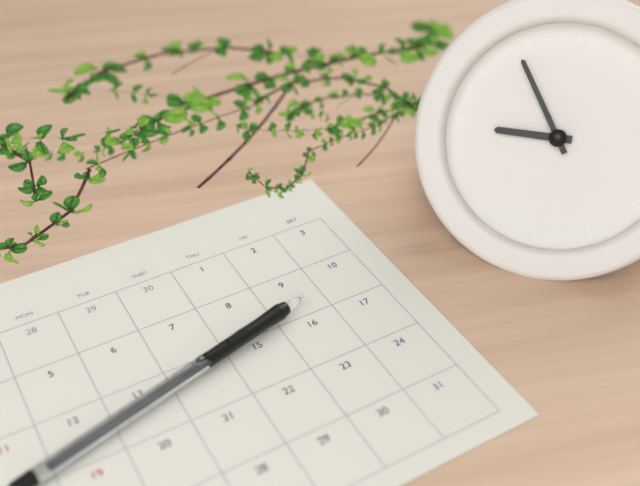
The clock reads 8h54
